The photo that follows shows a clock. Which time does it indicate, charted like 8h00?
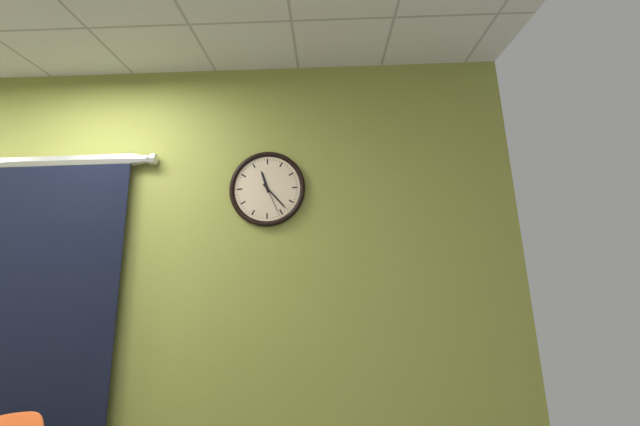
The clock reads 11h23
